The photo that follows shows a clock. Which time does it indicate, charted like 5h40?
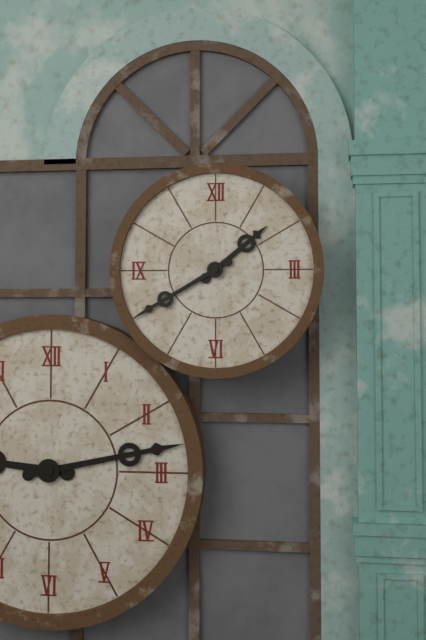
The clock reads 1h40
